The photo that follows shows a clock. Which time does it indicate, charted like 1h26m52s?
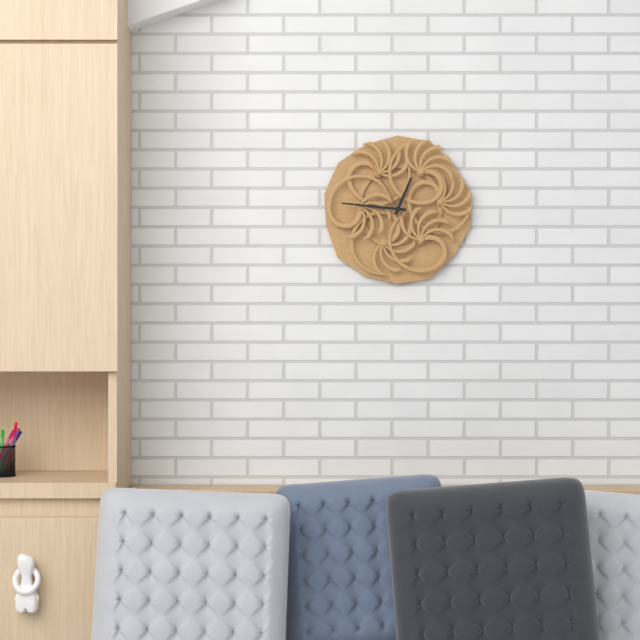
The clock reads 12h46m55s
